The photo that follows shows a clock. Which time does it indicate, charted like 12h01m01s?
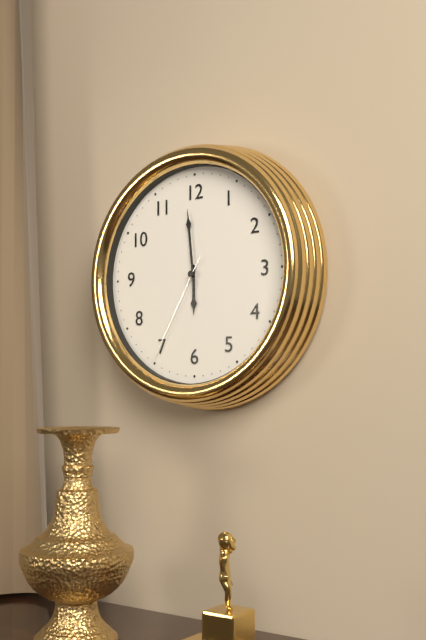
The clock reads 5h59m35s
